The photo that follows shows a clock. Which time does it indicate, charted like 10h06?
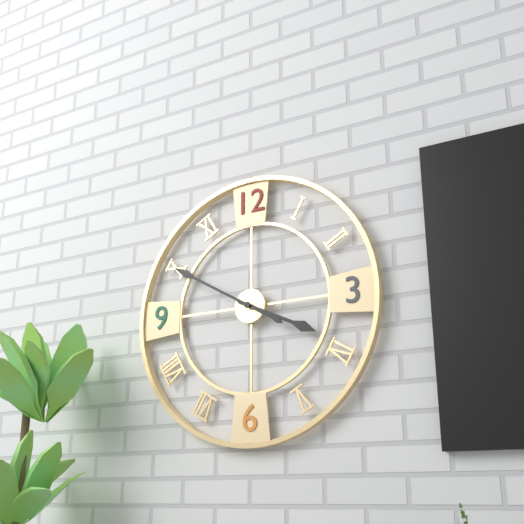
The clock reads 3h50
